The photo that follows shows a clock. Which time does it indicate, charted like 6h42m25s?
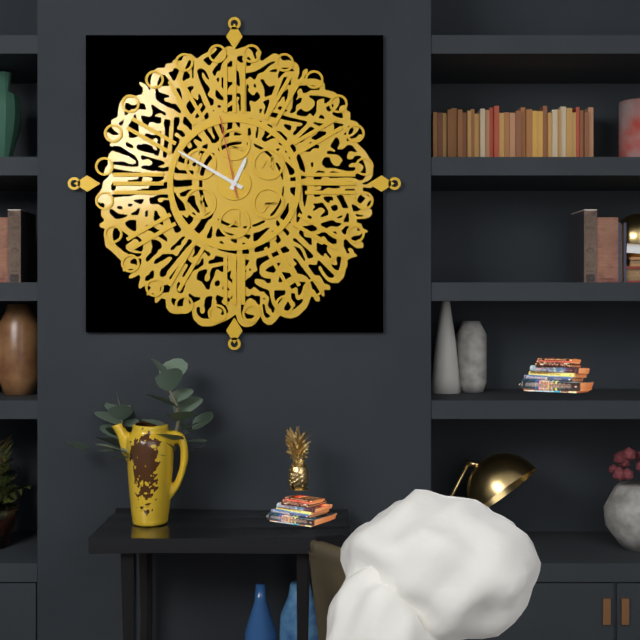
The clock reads 12h50m58s
